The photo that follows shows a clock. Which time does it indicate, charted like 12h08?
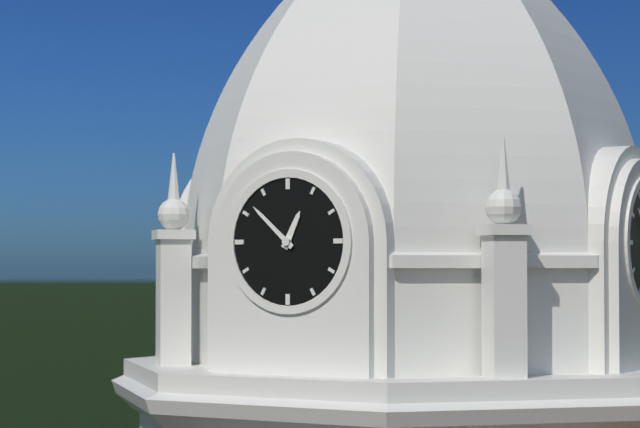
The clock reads 12h52
